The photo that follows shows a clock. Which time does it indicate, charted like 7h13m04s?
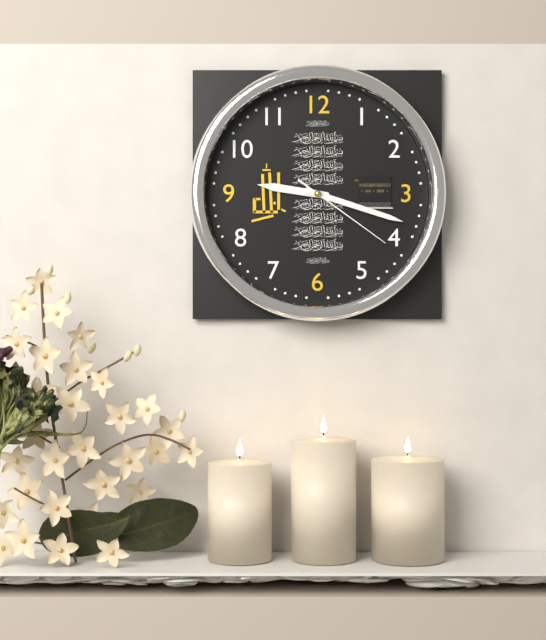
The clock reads 9h18m21s
